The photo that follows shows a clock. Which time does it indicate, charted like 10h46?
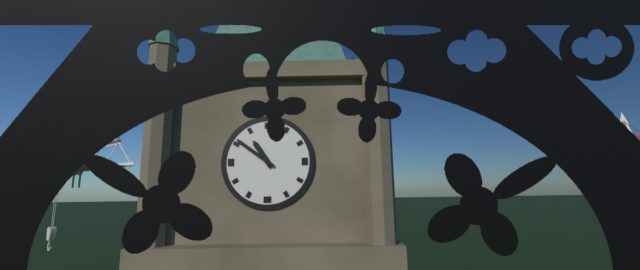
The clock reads 10h51
